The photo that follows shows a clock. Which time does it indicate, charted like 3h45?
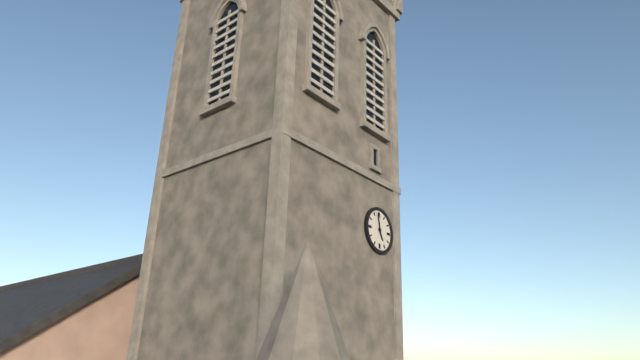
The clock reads 4h58
